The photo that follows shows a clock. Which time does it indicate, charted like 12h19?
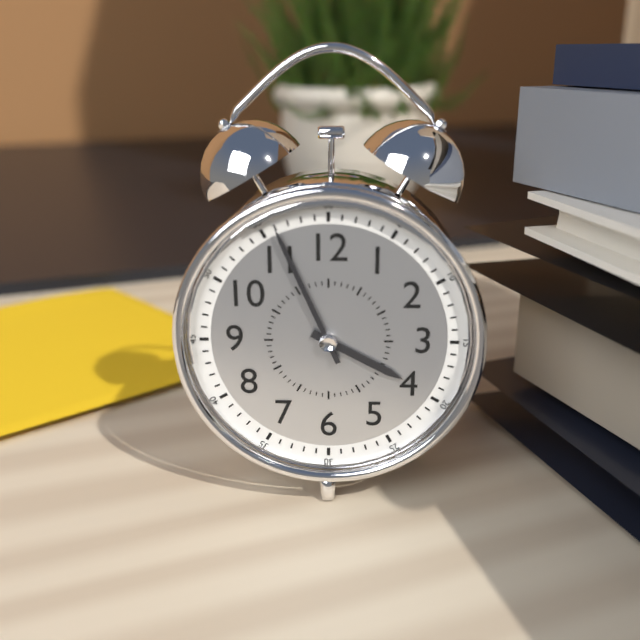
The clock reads 3h56
